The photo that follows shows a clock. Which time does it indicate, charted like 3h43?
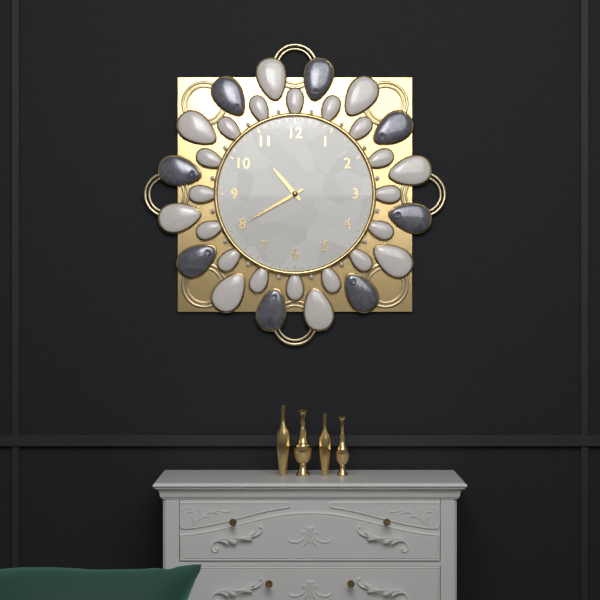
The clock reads 10h40
